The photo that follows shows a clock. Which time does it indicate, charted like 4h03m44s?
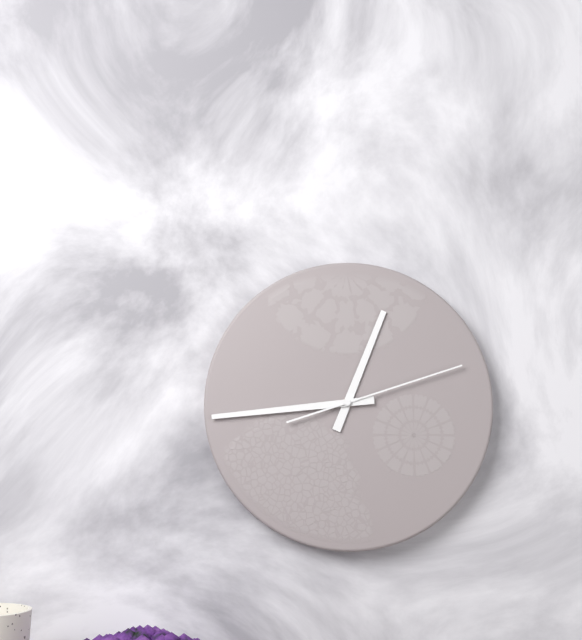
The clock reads 12h44m12s
